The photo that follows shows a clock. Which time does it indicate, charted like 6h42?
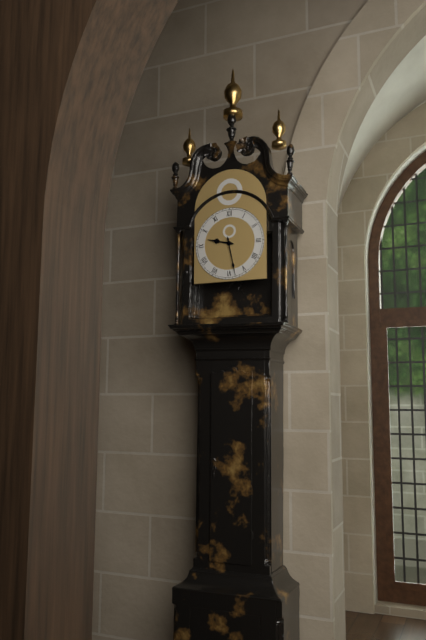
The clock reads 9h28
